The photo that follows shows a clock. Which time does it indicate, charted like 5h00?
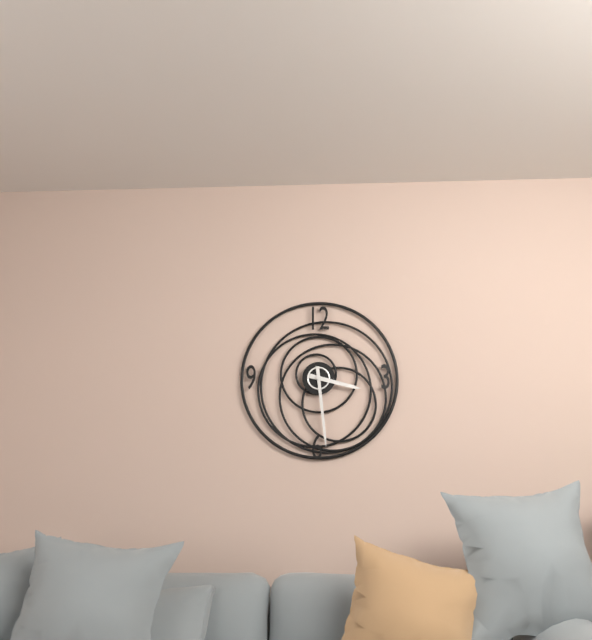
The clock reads 3h29
